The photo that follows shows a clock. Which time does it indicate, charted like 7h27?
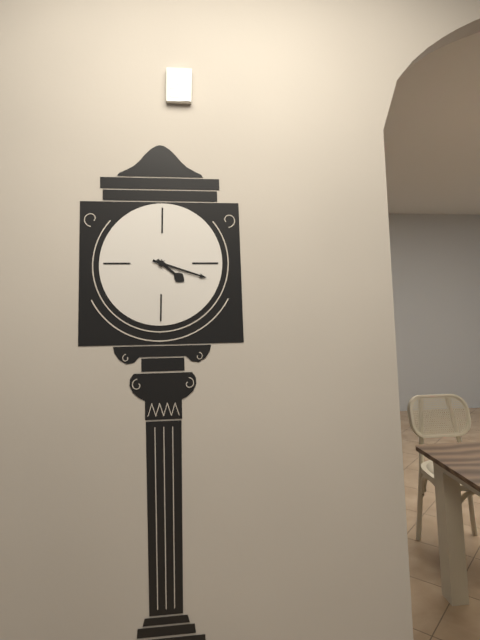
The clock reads 4h18
